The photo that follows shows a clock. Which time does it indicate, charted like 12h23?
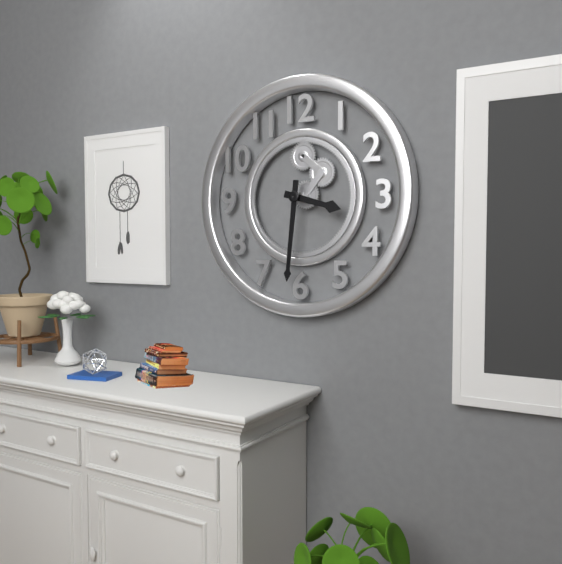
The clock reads 3h31
